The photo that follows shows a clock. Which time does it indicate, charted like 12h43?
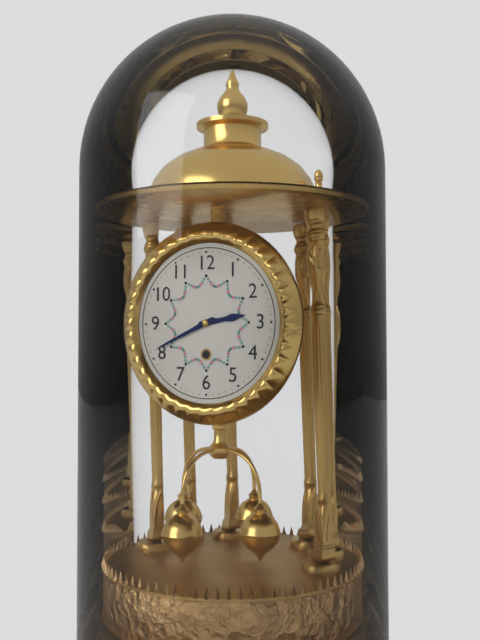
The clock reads 2h41
